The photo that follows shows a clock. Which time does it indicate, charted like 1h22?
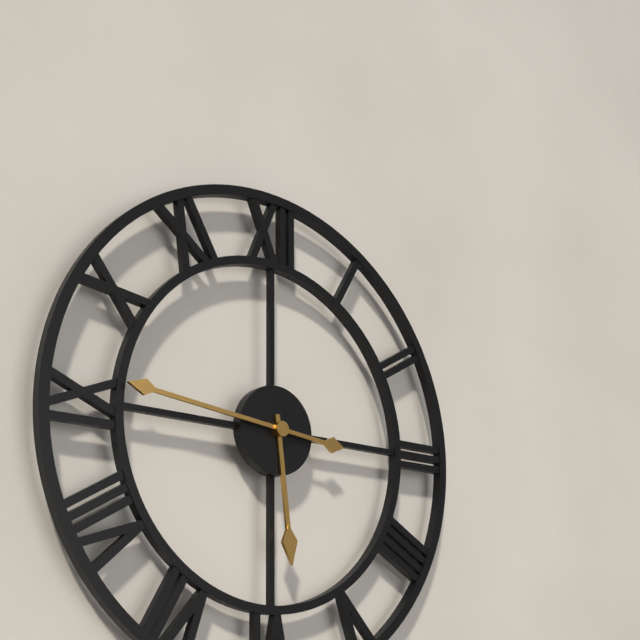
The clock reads 5h46
